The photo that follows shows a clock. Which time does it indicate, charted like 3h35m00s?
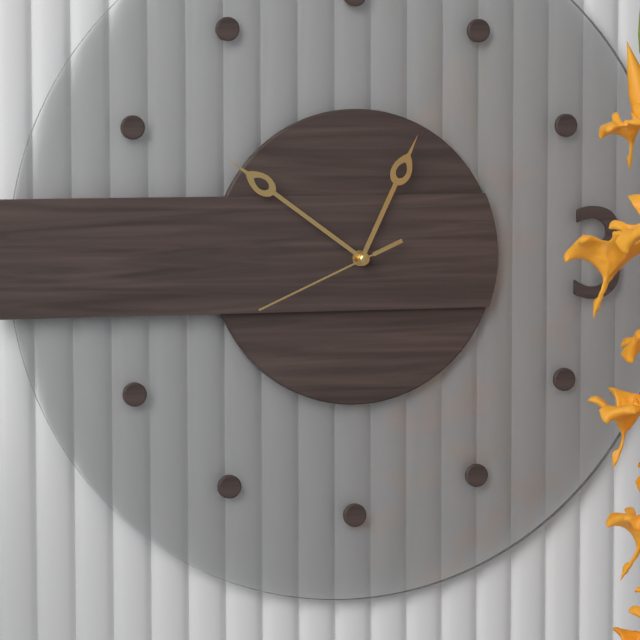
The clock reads 12h51m41s
